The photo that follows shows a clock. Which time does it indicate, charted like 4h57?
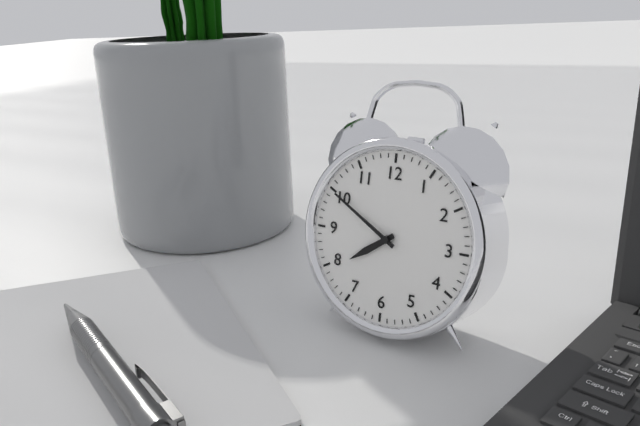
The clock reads 7h50
